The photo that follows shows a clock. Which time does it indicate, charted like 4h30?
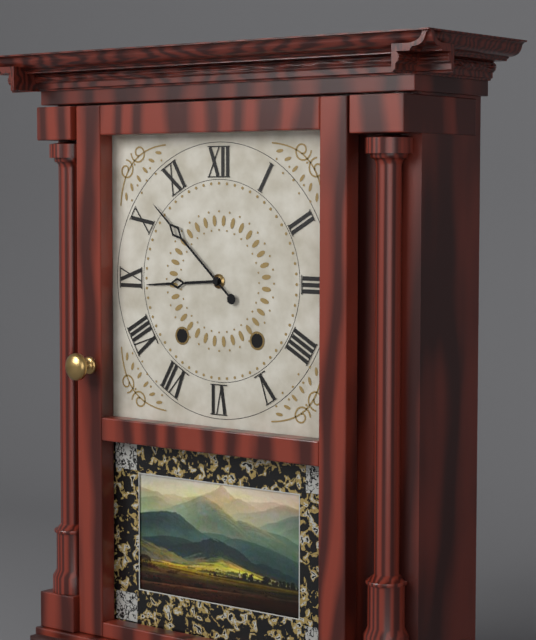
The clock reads 8h52
